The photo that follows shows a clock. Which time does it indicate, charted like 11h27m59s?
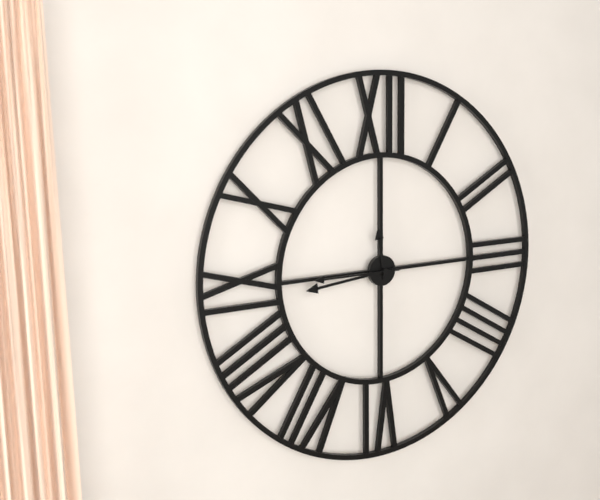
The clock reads 11h44m45s
